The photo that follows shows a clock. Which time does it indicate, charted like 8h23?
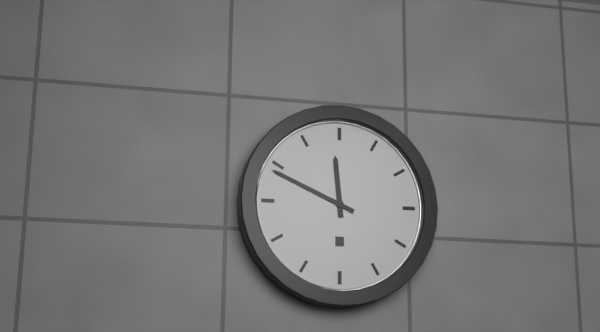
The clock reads 11h49
